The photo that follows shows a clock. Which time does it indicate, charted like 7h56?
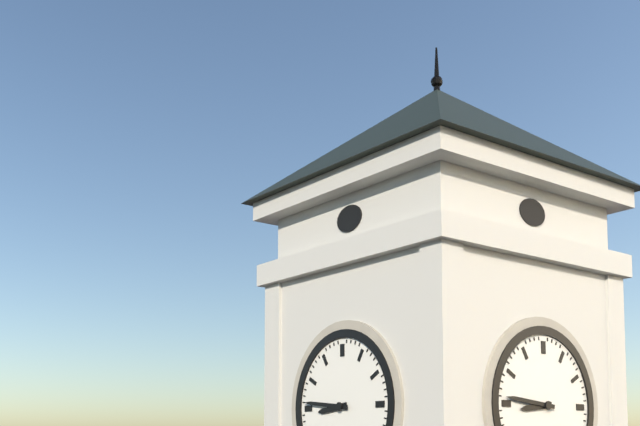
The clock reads 8h46
